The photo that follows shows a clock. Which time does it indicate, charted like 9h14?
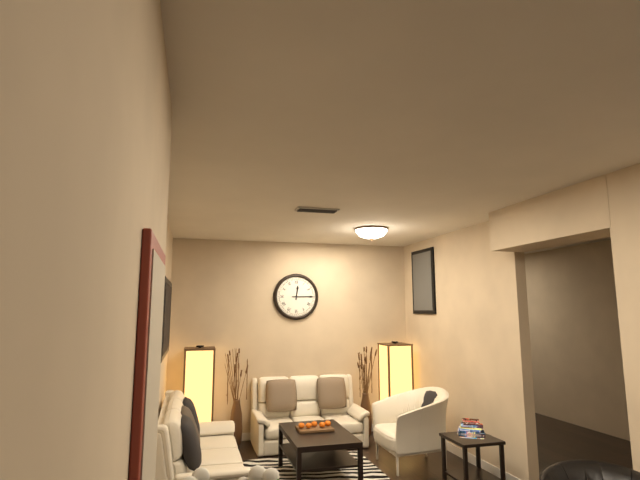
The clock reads 12h15
